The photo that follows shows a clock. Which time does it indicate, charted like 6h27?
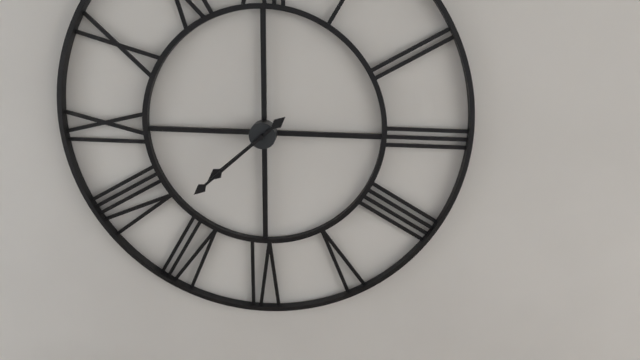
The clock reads 7h38
